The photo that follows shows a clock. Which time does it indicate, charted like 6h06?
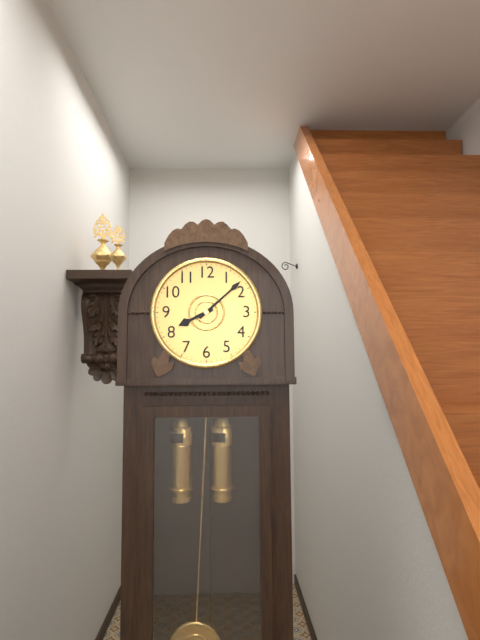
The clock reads 8h08
